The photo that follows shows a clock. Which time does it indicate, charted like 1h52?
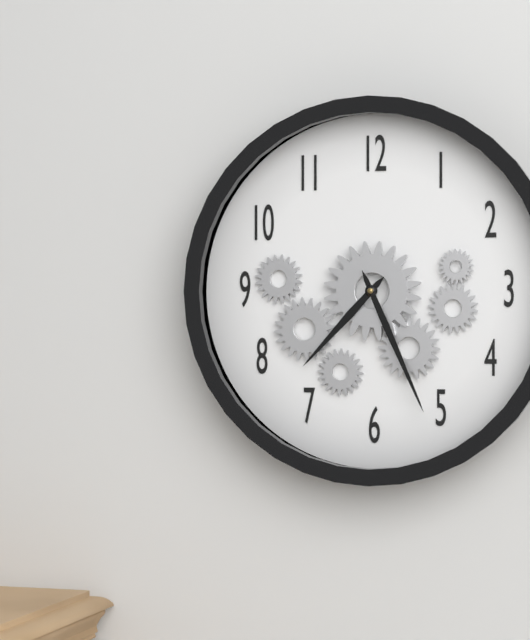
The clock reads 7h26
